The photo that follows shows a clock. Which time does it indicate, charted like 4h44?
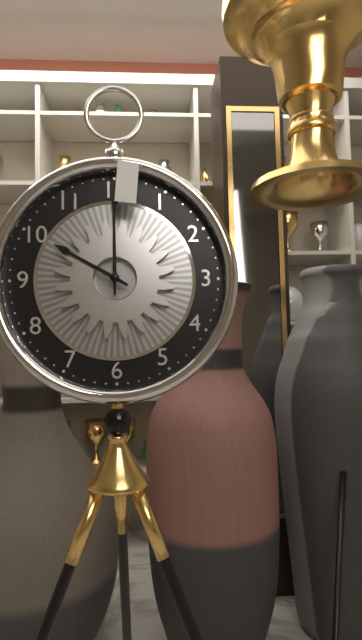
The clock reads 10h00
